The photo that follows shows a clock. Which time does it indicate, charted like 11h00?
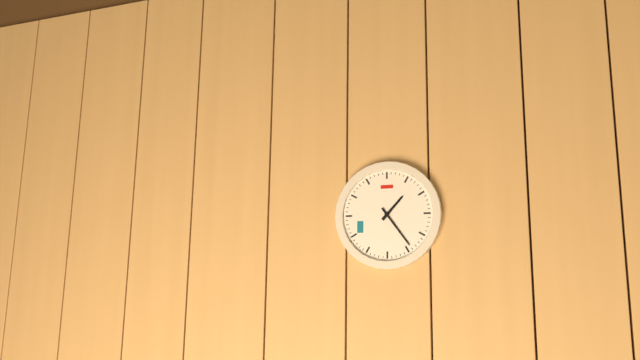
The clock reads 1h24
